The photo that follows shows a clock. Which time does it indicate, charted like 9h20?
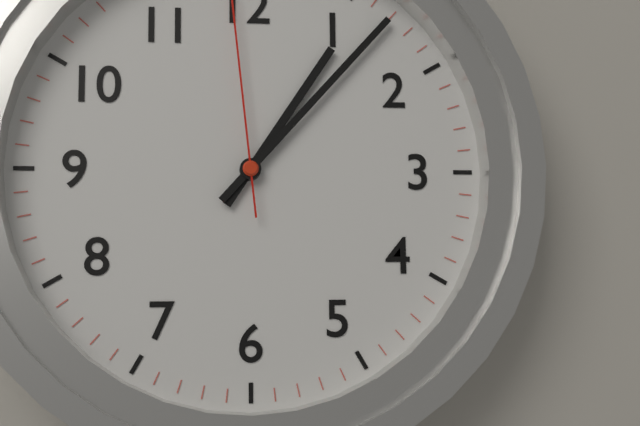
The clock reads 1h07
